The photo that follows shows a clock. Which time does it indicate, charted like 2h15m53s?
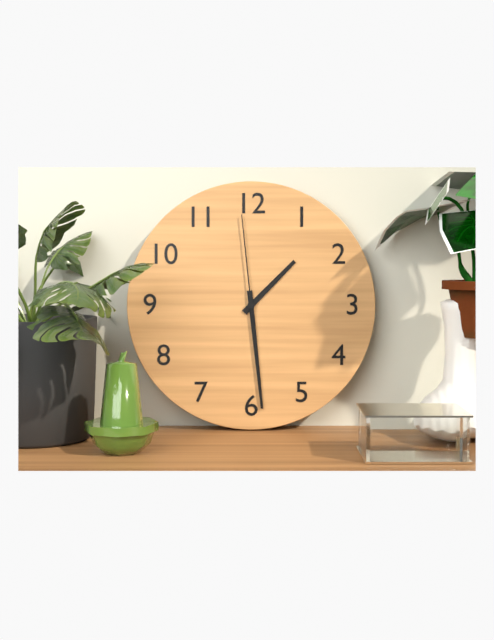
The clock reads 1h29m59s
